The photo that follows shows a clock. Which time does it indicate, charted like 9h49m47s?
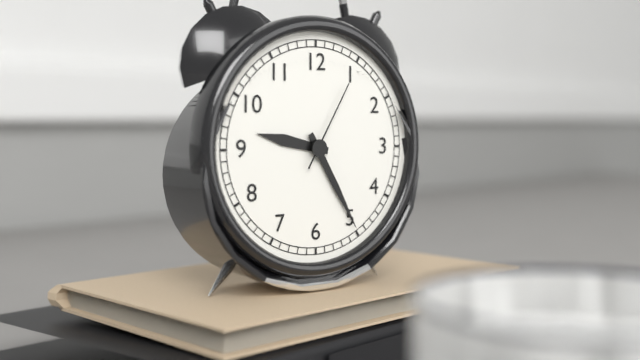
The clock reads 9h25m05s
